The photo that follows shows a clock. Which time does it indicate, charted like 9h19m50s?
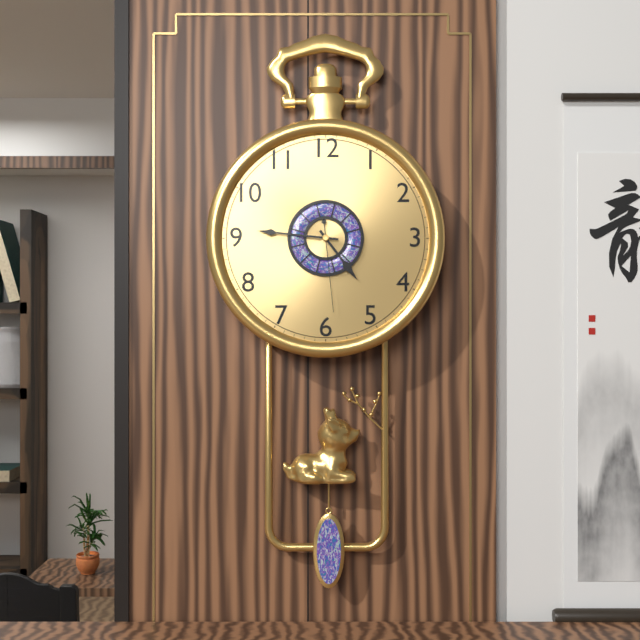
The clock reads 4h46m29s
